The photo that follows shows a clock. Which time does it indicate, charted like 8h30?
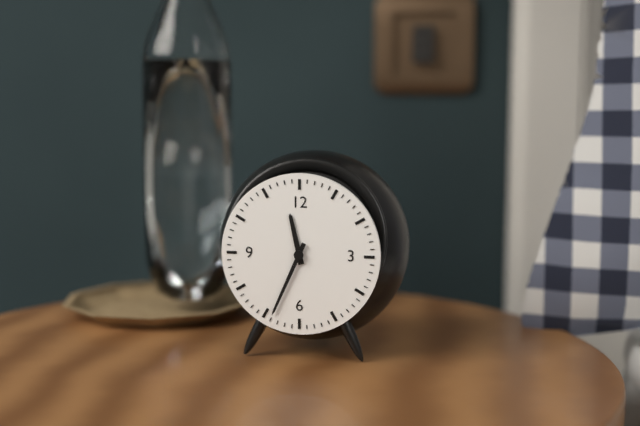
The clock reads 11h34
